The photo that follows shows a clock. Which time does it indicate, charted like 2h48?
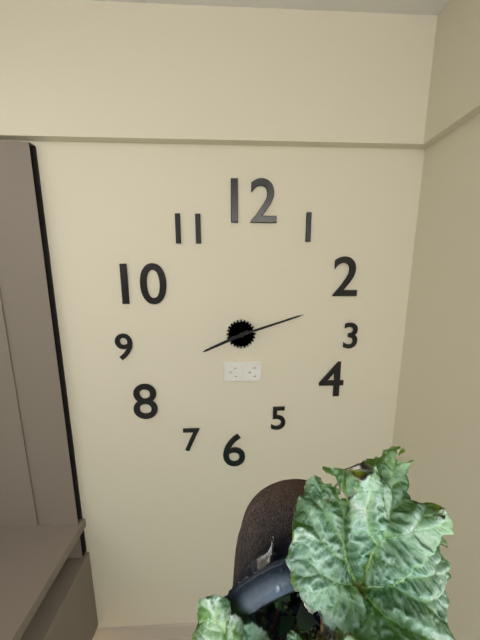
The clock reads 8h12
